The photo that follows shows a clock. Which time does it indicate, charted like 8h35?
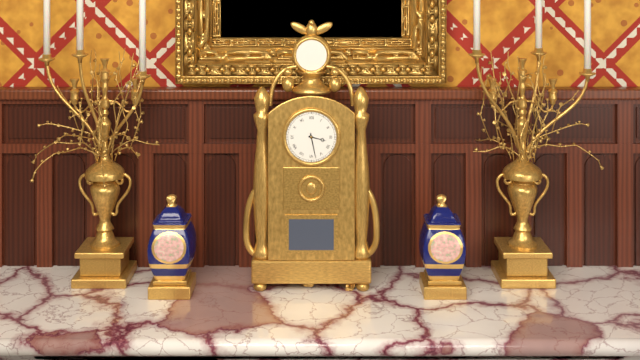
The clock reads 3h28
